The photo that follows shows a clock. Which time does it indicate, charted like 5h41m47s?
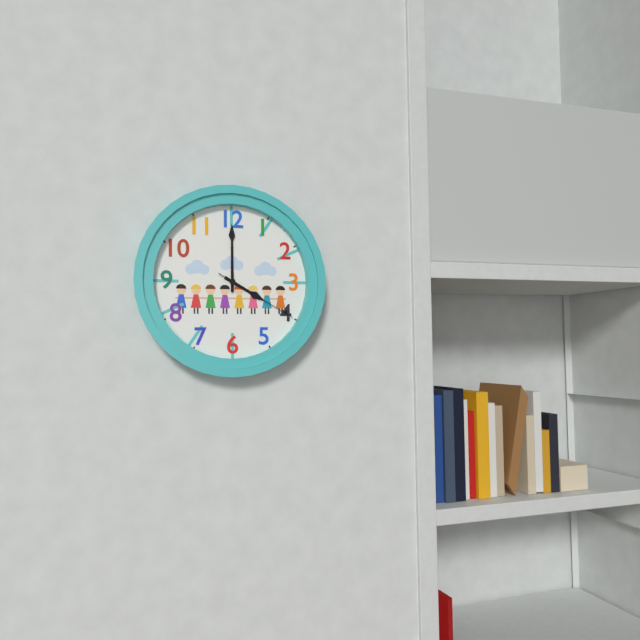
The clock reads 4h00m20s
